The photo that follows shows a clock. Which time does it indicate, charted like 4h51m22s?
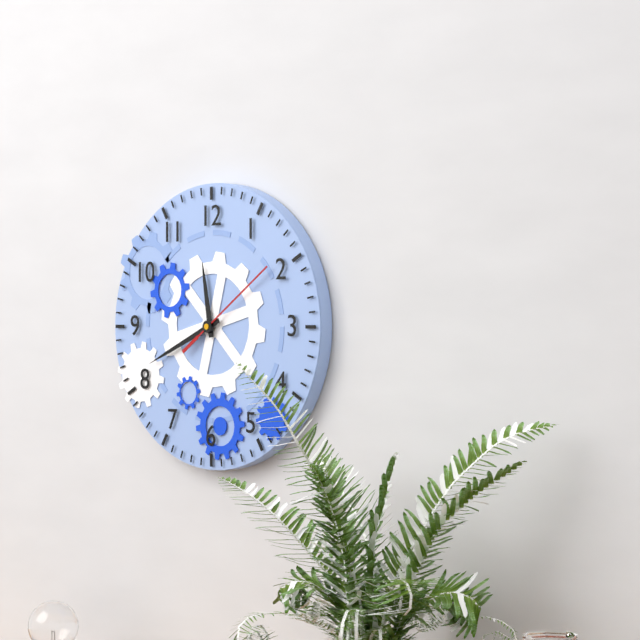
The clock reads 11h41m09s
